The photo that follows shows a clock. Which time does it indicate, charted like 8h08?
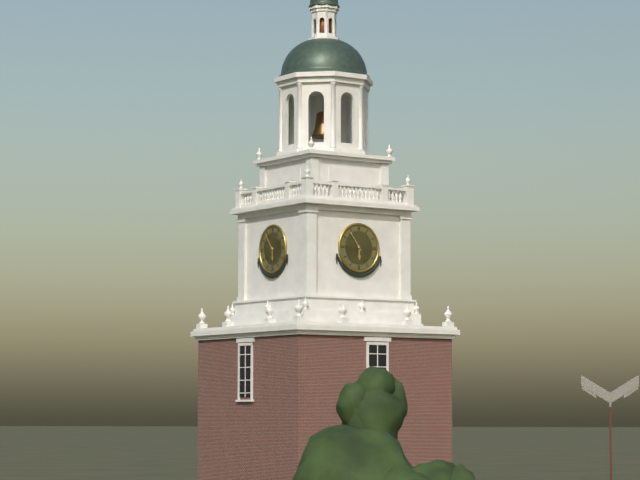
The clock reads 5h54
